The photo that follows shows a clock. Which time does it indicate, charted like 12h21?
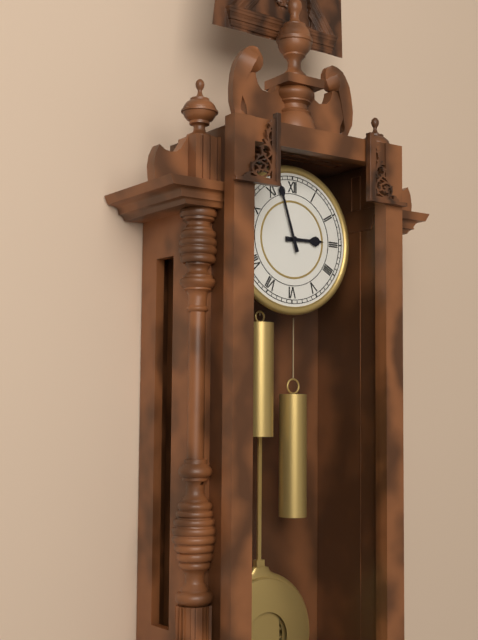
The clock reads 2h57
